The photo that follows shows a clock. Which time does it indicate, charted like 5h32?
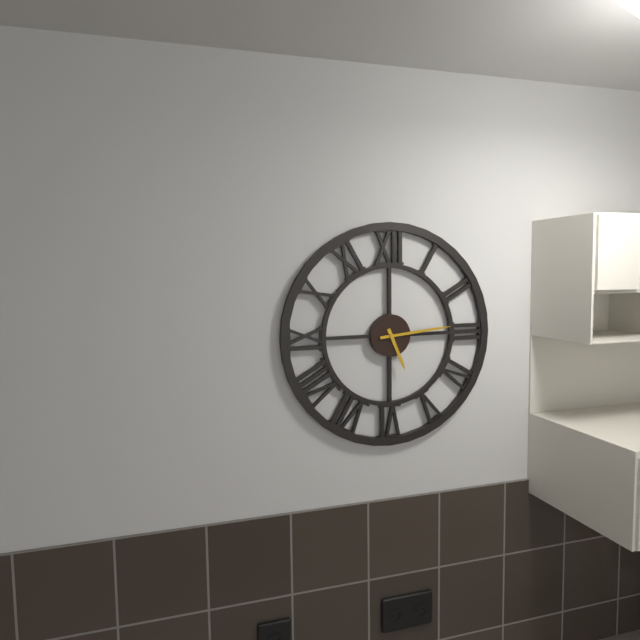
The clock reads 5h14
